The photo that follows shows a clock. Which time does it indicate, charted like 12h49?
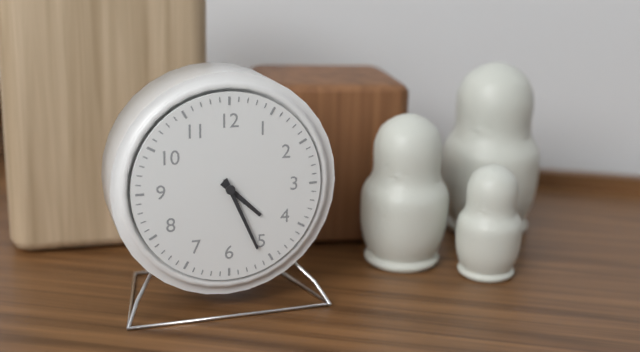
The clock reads 4h26
